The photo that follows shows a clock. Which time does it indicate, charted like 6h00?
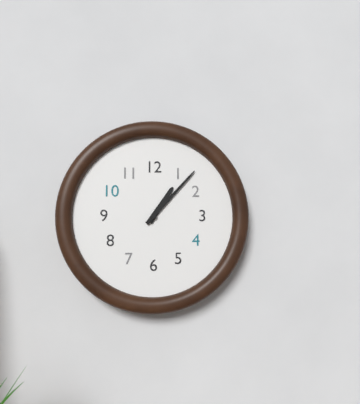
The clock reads 1h07
